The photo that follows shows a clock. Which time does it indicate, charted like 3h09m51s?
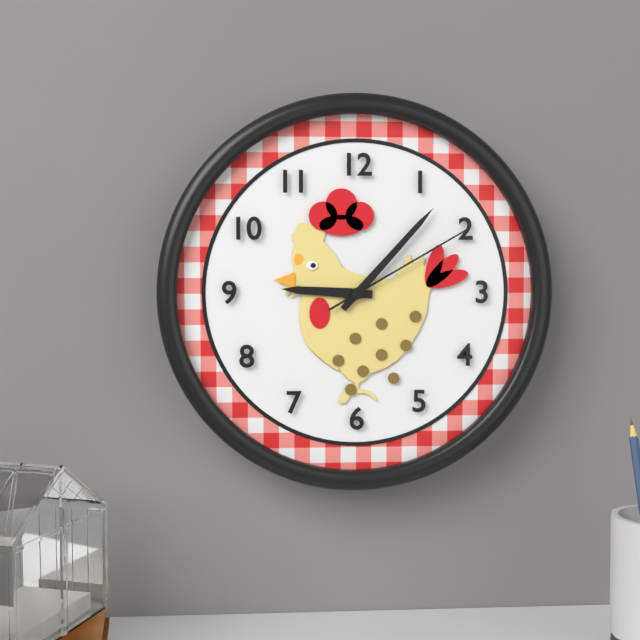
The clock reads 9h07m10s
